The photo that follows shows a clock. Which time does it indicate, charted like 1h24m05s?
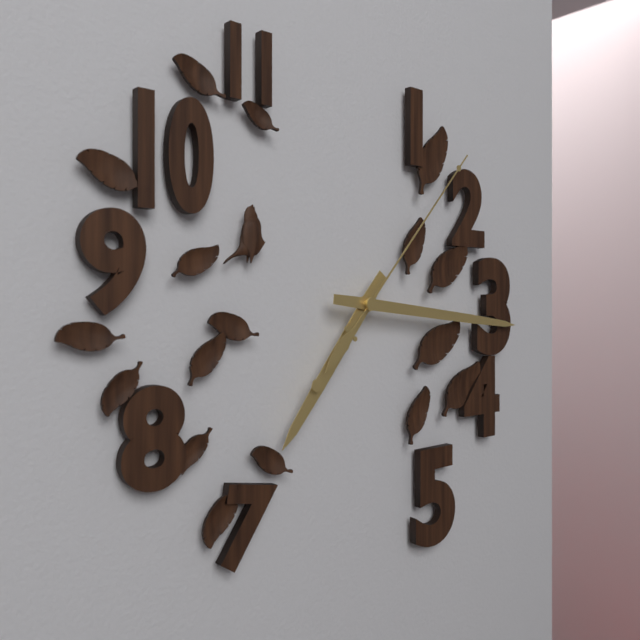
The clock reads 7h16m07s
